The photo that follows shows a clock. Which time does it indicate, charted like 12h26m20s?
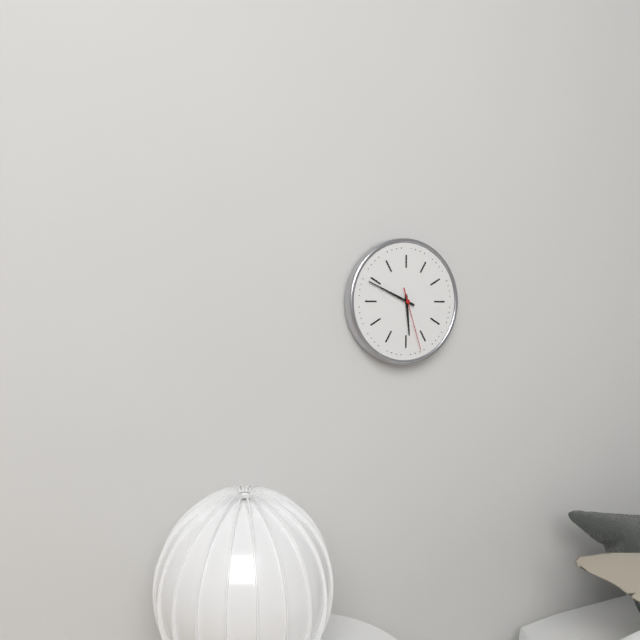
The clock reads 5h49m27s
